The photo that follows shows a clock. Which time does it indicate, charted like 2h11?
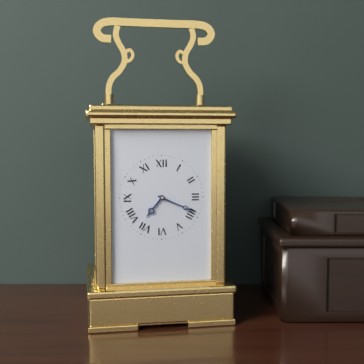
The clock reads 7h19
